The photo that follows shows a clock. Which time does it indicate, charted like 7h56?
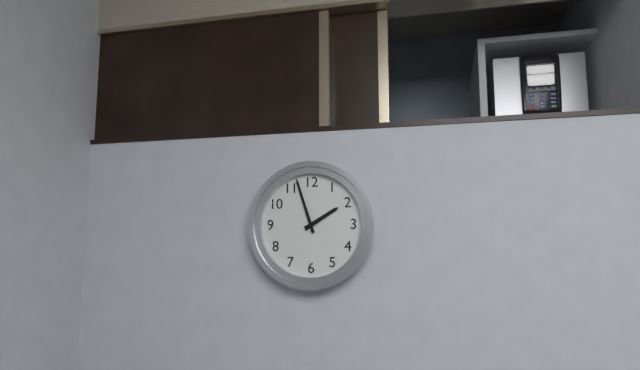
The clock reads 1h57
